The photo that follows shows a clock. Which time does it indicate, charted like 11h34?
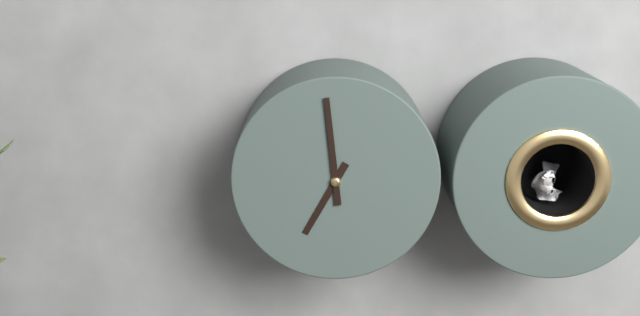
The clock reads 6h59
